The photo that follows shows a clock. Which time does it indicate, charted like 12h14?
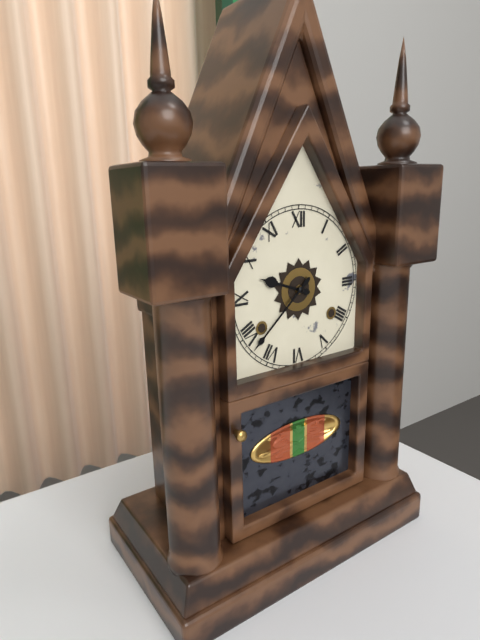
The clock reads 9h38
